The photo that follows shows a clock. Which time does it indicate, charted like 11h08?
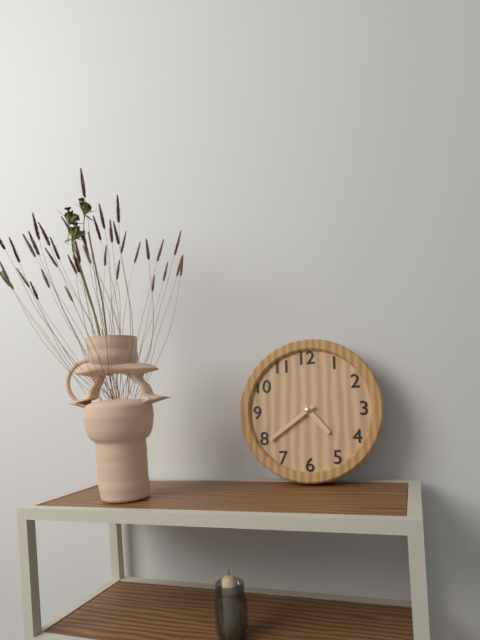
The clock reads 4h39
